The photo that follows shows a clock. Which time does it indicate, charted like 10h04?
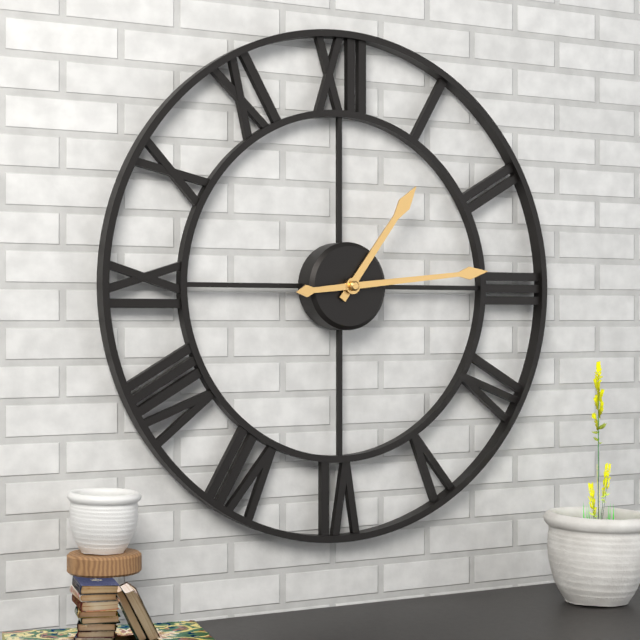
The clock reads 1h14
